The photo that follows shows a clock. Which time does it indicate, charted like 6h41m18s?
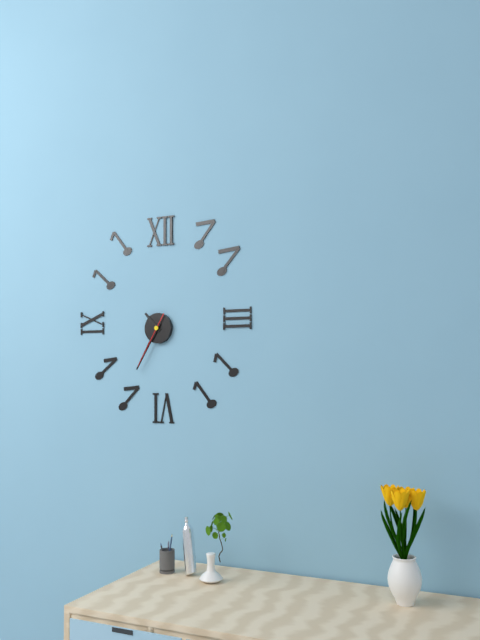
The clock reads 10h35m35s
